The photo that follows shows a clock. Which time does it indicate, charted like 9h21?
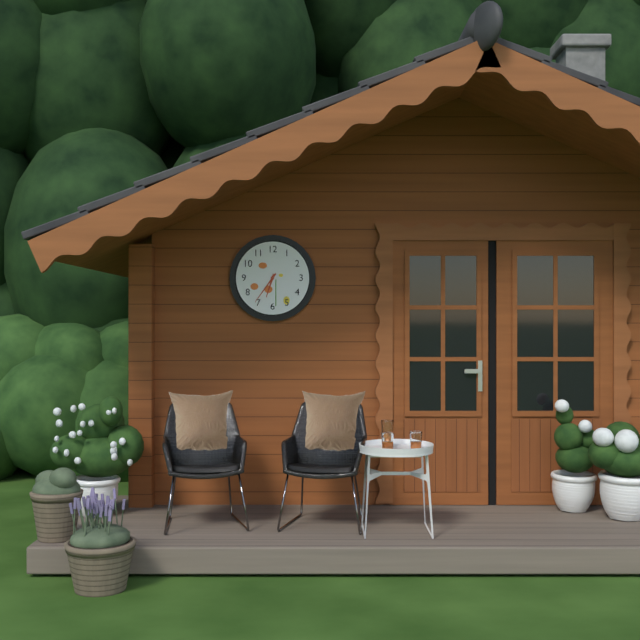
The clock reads 6h36
